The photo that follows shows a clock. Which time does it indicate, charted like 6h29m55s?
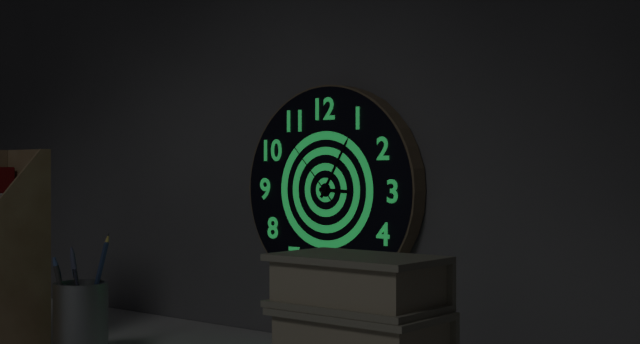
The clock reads 3h05m53s
